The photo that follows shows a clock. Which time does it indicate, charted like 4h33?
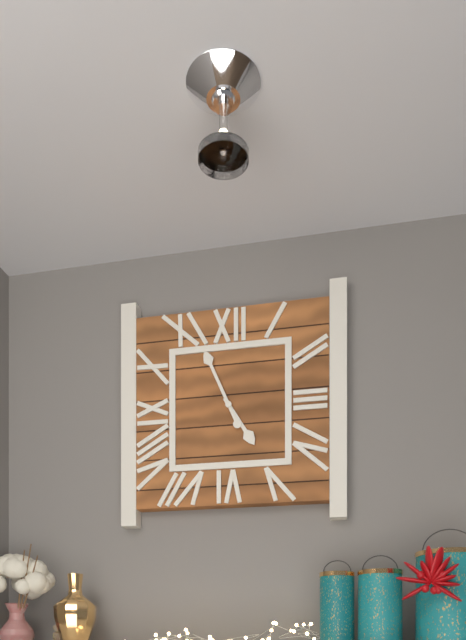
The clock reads 4h56
